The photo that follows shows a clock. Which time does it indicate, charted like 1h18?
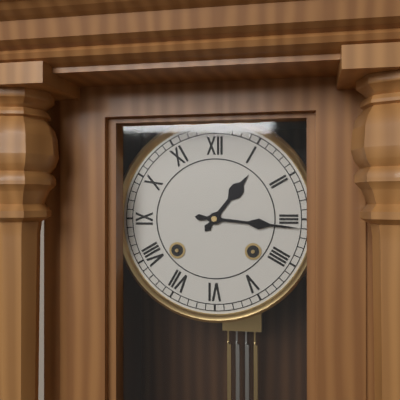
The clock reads 1h16
